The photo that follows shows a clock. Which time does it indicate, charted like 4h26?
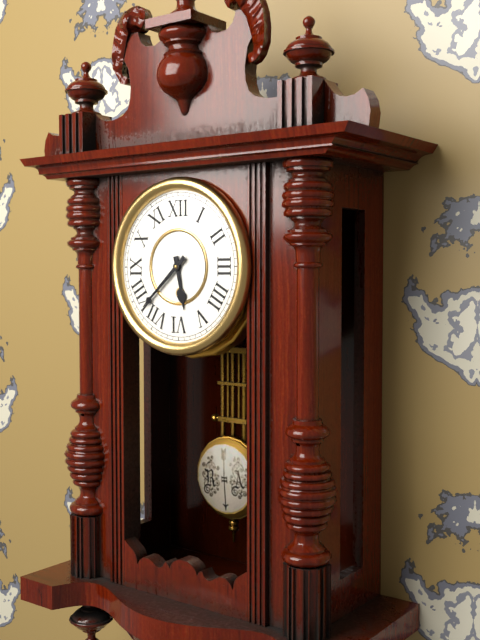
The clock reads 5h38
